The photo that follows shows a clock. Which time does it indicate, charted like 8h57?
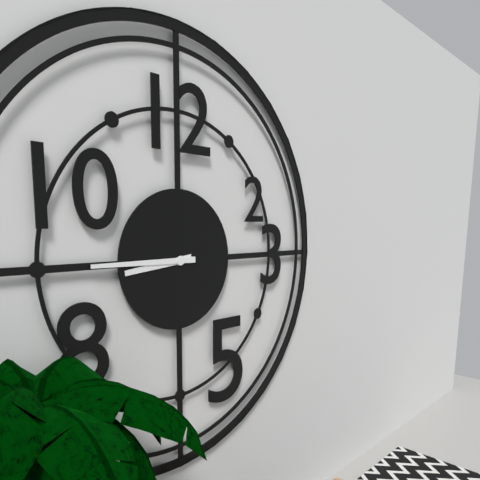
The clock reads 8h45
